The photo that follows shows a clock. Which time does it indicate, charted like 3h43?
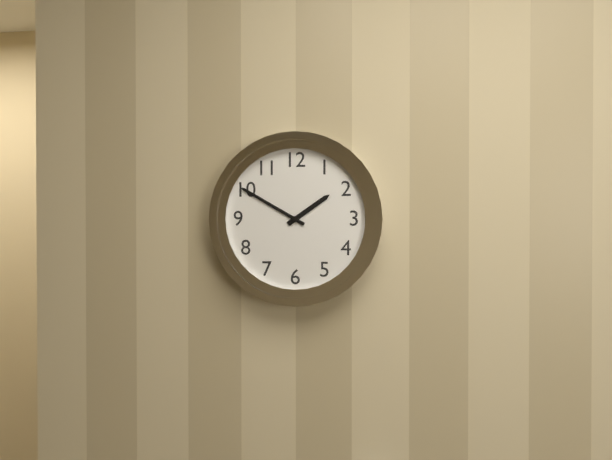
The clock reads 1h50
